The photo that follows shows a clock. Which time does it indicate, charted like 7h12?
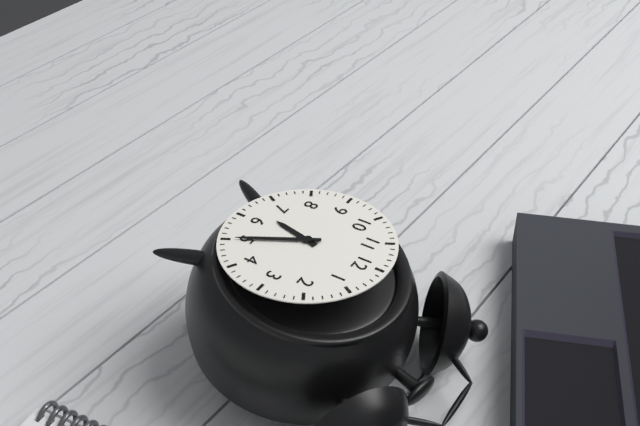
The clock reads 6h25
